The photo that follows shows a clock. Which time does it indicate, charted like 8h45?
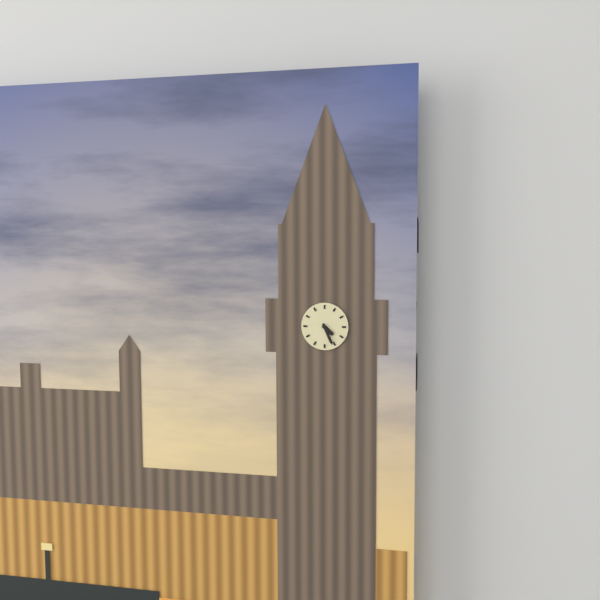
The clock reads 4h26
